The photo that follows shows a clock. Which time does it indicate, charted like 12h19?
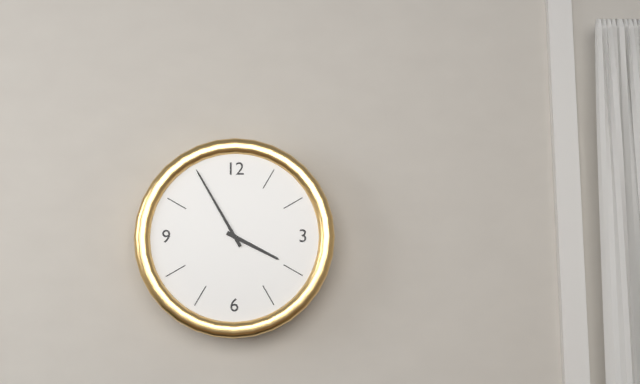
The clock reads 3h55
